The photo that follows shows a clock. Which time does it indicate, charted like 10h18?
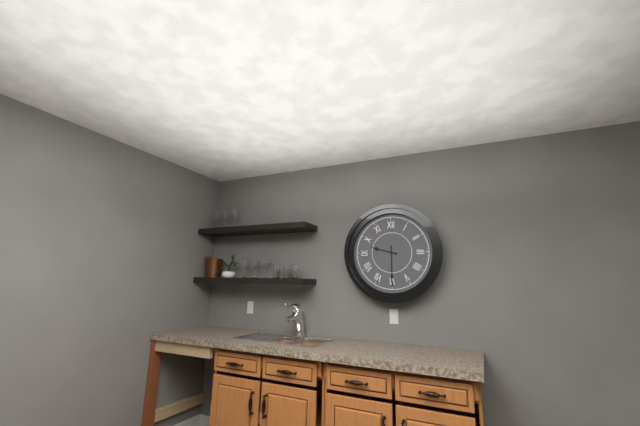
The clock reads 9h30
